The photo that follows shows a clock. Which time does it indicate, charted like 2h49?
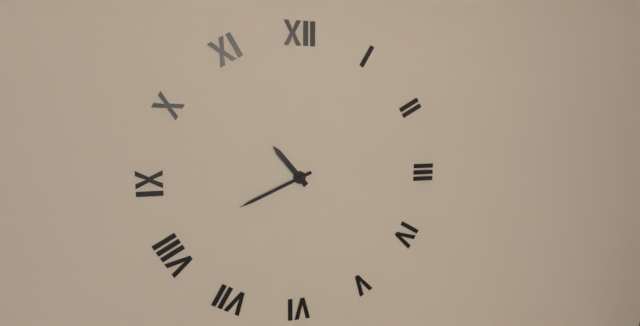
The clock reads 10h41
